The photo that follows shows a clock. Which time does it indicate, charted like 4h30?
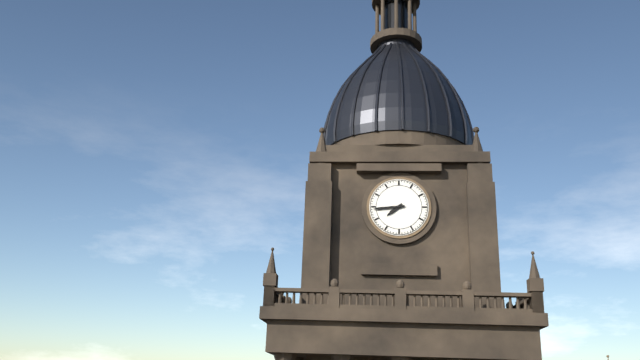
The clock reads 7h44
